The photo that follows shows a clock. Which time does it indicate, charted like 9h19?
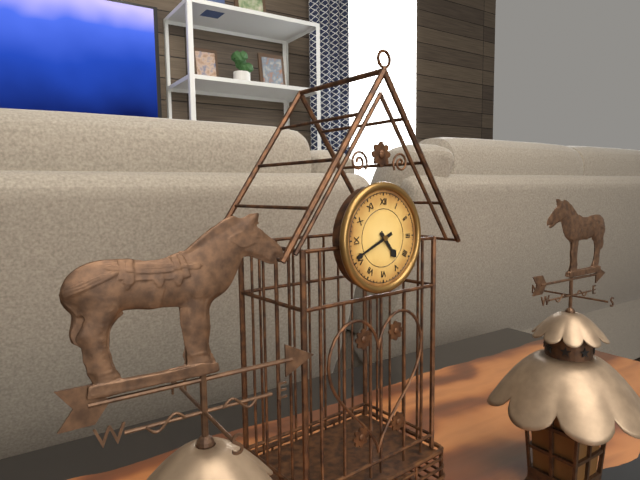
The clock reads 4h41
